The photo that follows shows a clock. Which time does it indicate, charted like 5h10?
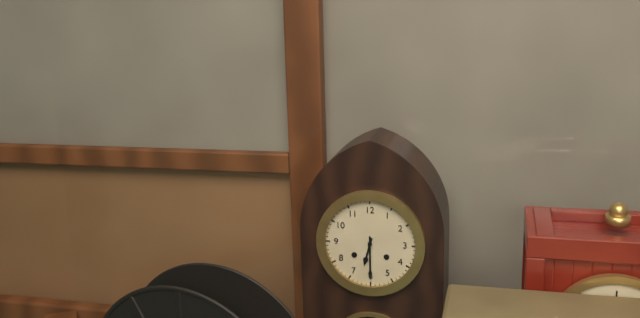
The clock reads 6h30
